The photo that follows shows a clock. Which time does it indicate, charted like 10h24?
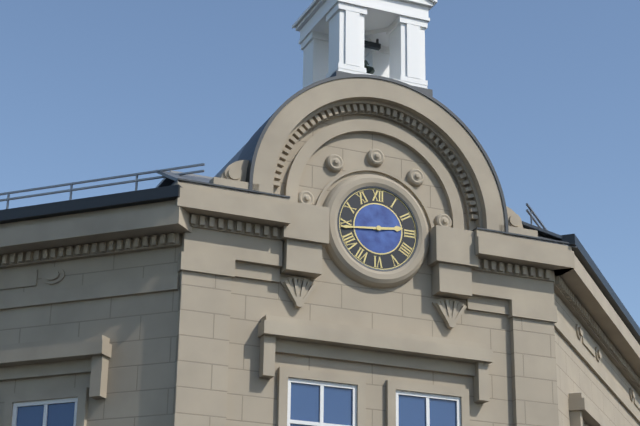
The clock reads 2h44
